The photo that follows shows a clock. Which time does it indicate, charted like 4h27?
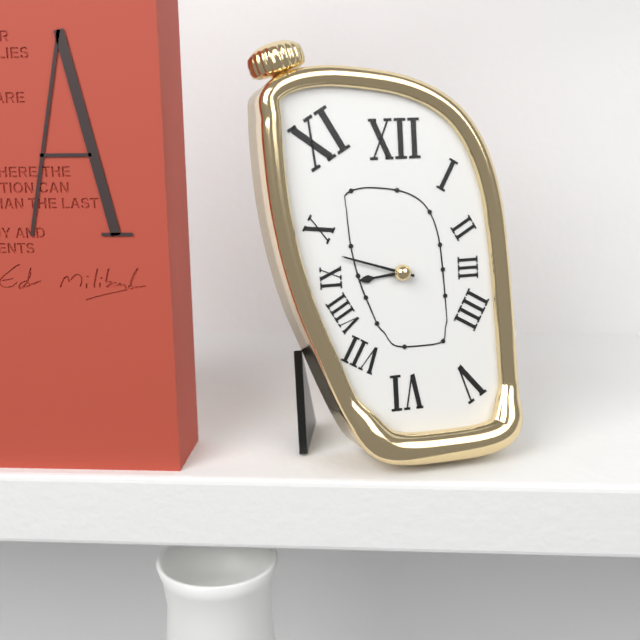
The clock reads 8h48
